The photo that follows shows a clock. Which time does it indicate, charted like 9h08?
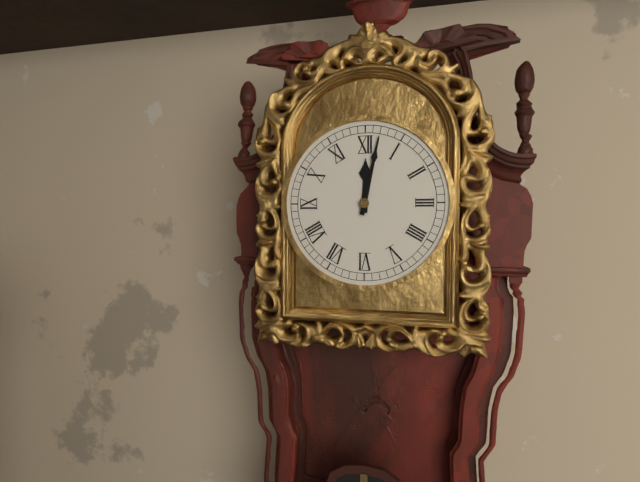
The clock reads 12h02
